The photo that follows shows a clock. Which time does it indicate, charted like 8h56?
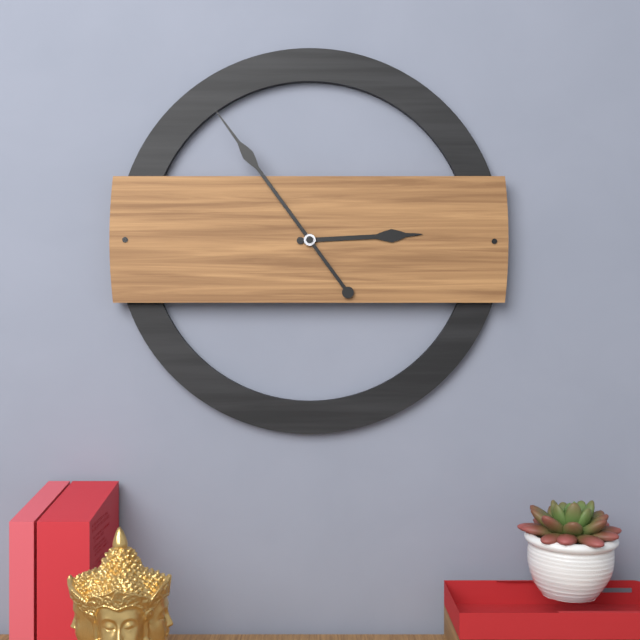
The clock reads 2h54
